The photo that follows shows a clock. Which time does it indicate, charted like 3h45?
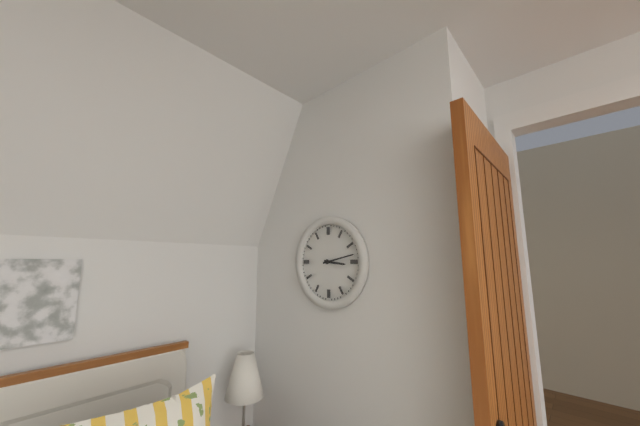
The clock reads 3h13
